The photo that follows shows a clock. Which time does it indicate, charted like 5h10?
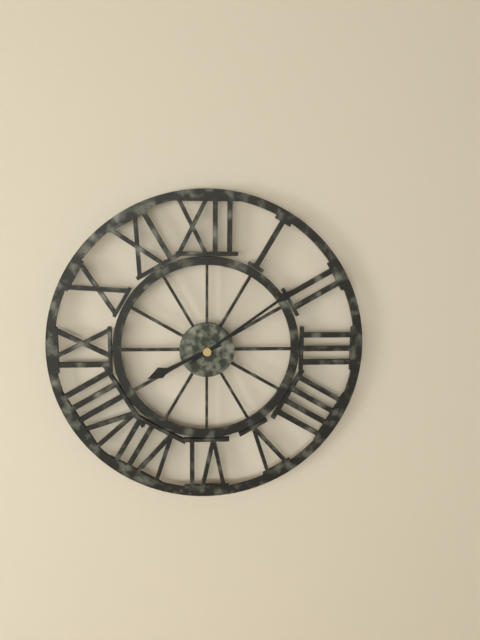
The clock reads 8h09
